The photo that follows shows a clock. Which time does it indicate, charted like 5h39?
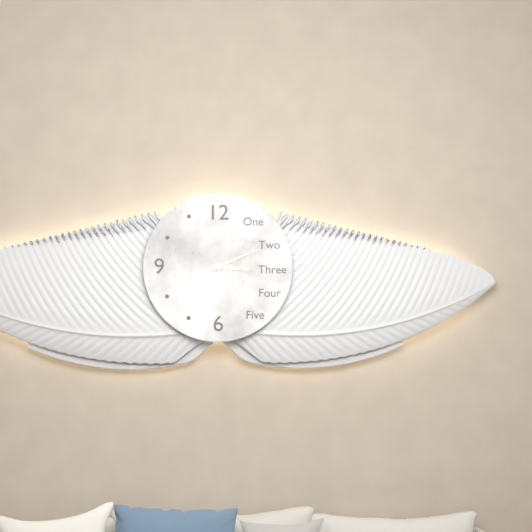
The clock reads 3h11
